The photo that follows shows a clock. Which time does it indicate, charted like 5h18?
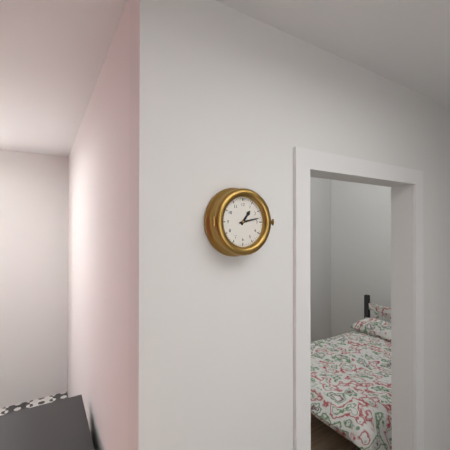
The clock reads 1h13
